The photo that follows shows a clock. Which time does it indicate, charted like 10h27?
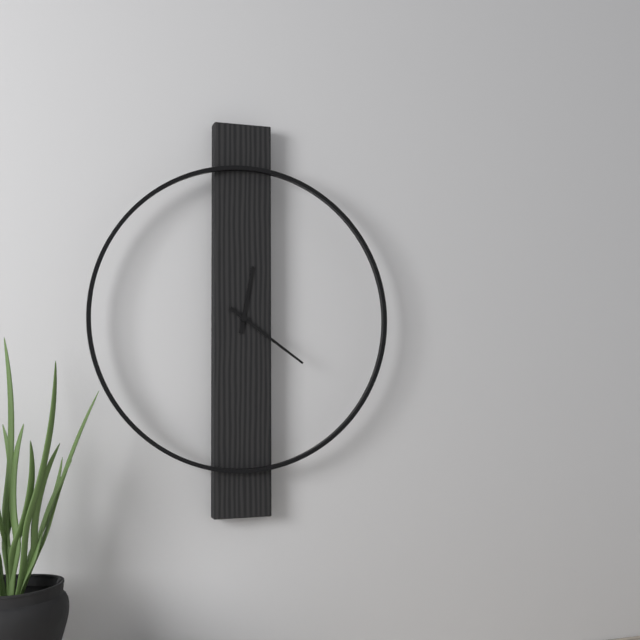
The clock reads 12h21
